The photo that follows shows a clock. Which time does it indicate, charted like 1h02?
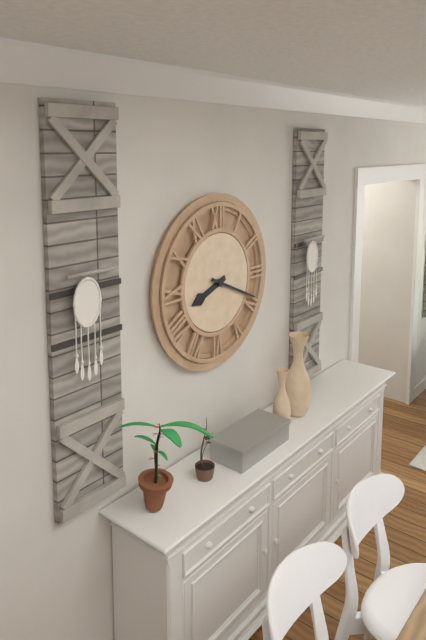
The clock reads 8h19
